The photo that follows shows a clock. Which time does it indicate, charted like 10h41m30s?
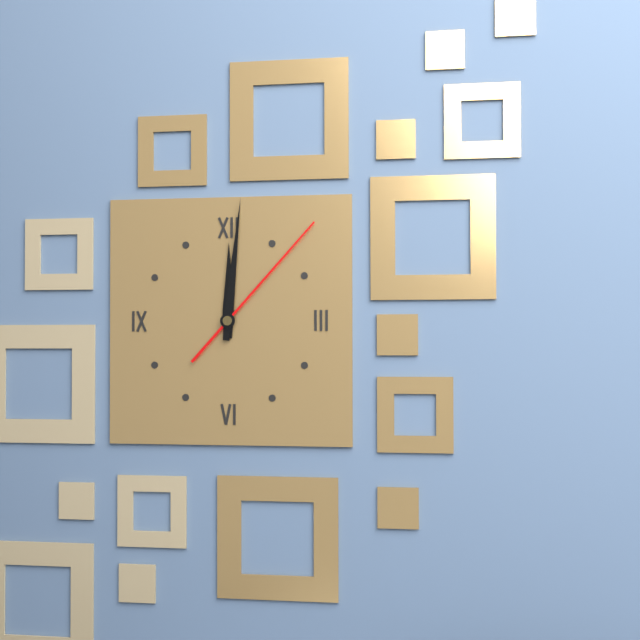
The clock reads 12h01m07s
